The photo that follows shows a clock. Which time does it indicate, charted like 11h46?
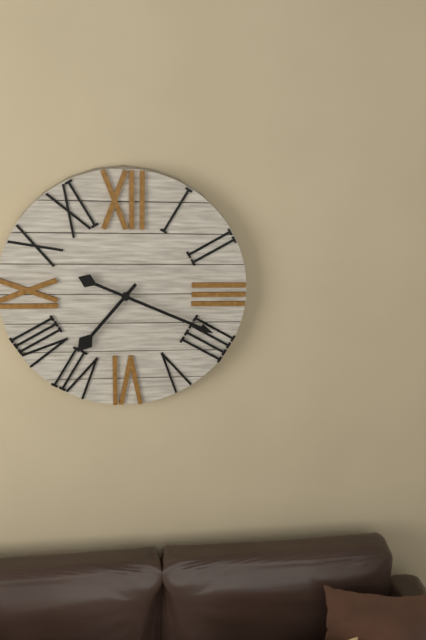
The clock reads 7h19
